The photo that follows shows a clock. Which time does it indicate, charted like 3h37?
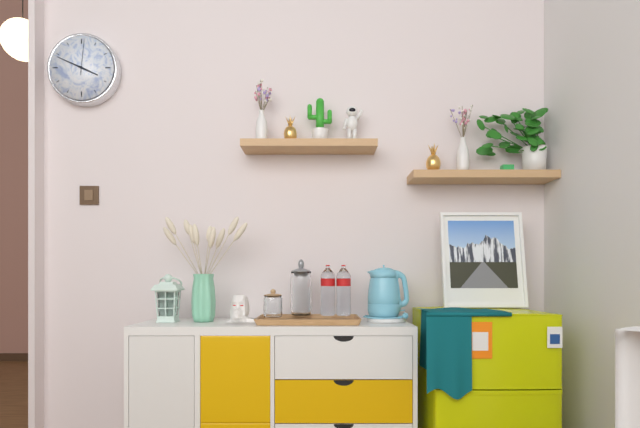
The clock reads 3h49
